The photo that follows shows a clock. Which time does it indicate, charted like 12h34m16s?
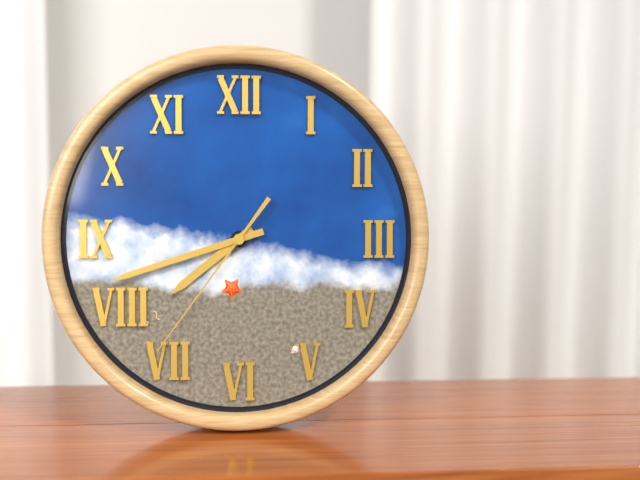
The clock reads 7h42m36s
